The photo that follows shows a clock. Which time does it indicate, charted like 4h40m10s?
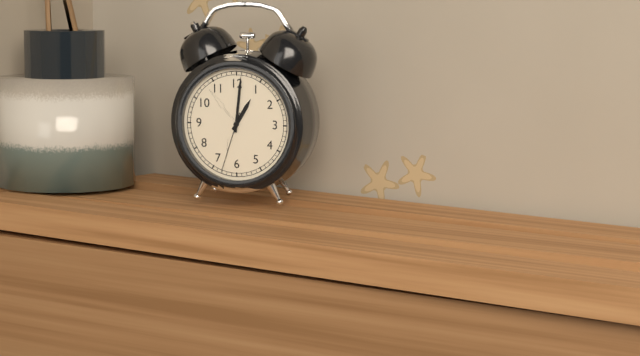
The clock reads 1h01m33s
